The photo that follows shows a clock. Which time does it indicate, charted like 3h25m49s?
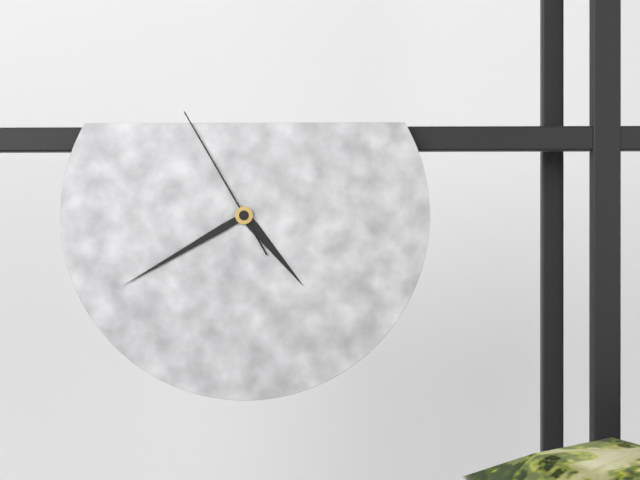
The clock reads 4h40m55s
